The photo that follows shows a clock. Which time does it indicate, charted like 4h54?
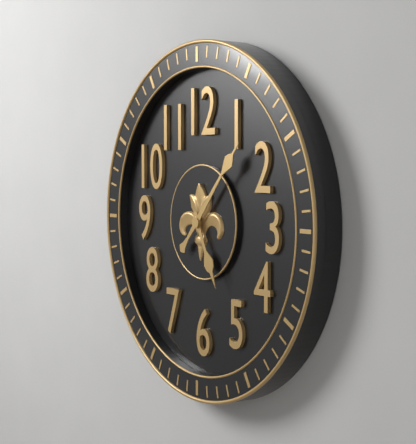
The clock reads 5h07
